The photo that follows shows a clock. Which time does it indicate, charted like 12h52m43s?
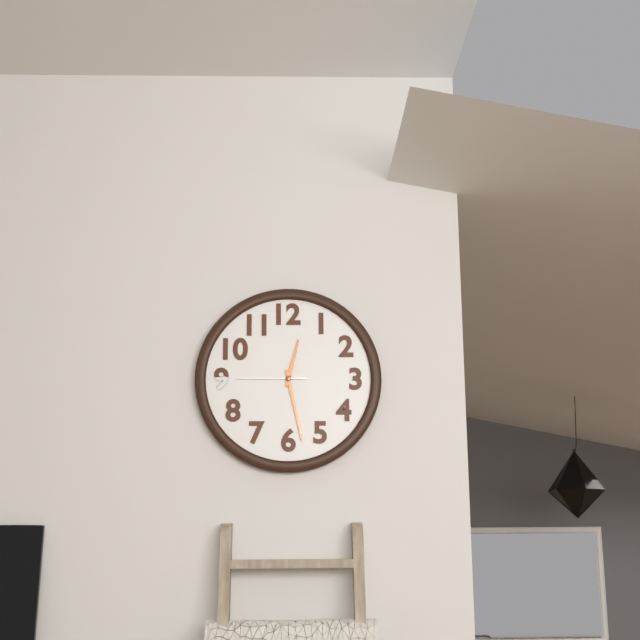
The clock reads 12h28m45s
